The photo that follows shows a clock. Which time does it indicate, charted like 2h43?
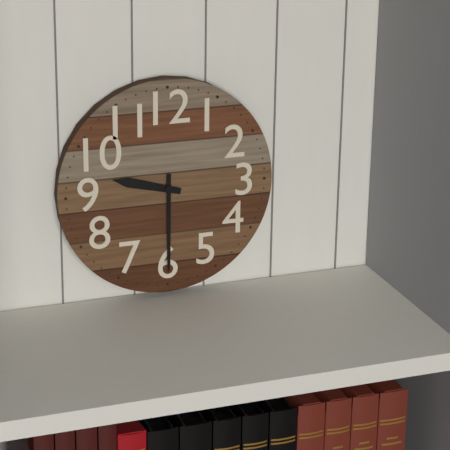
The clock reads 9h30
